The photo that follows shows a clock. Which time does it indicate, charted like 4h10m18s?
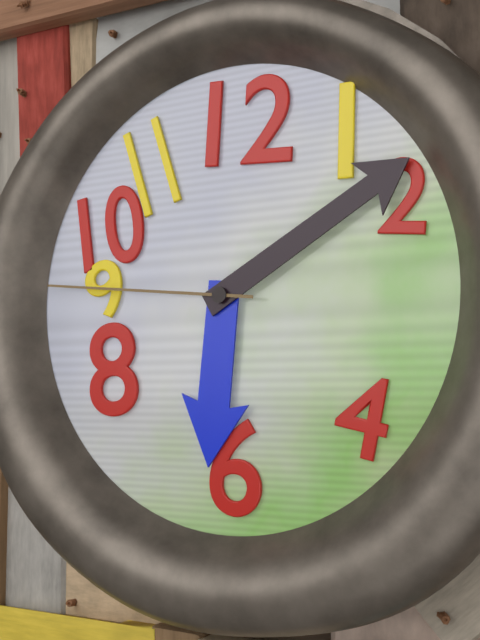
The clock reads 6h10m46s
